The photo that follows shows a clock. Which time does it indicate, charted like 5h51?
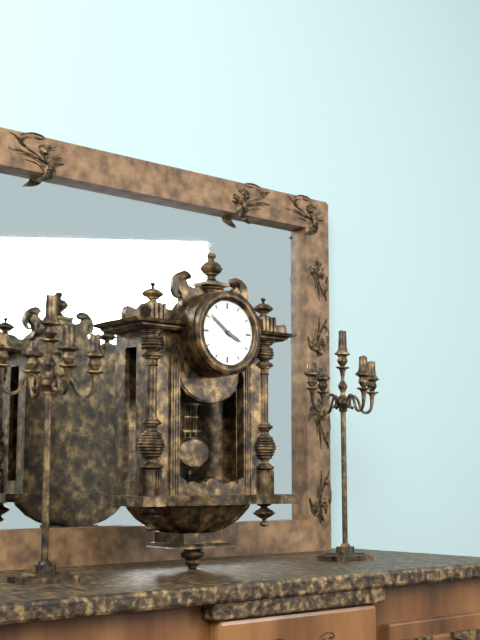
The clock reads 3h51
